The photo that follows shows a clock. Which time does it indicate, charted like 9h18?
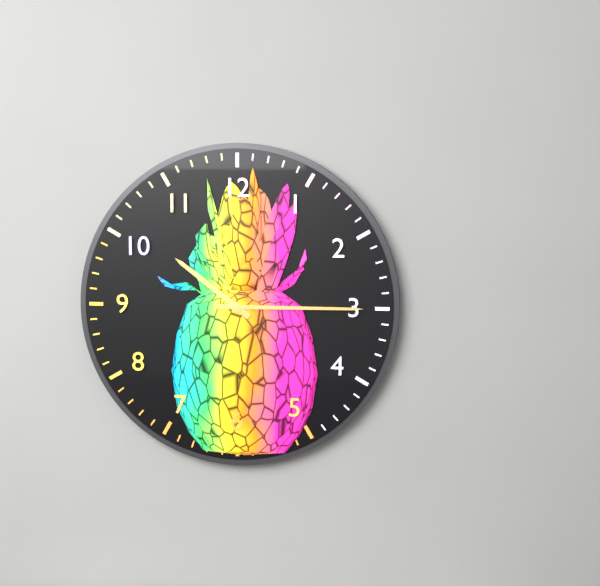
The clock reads 10h15
